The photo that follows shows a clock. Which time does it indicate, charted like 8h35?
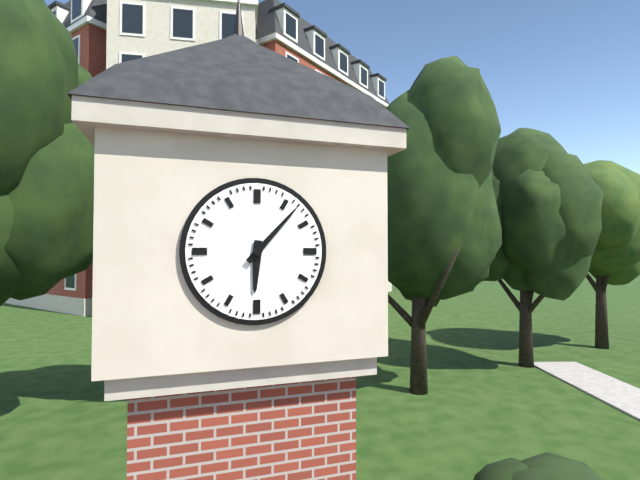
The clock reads 6h07
